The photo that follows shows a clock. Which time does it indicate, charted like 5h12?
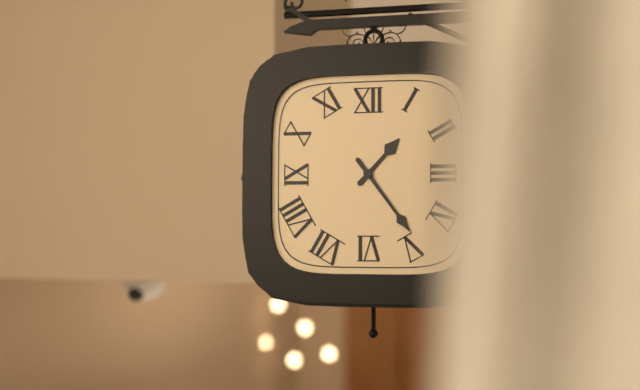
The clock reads 1h24
